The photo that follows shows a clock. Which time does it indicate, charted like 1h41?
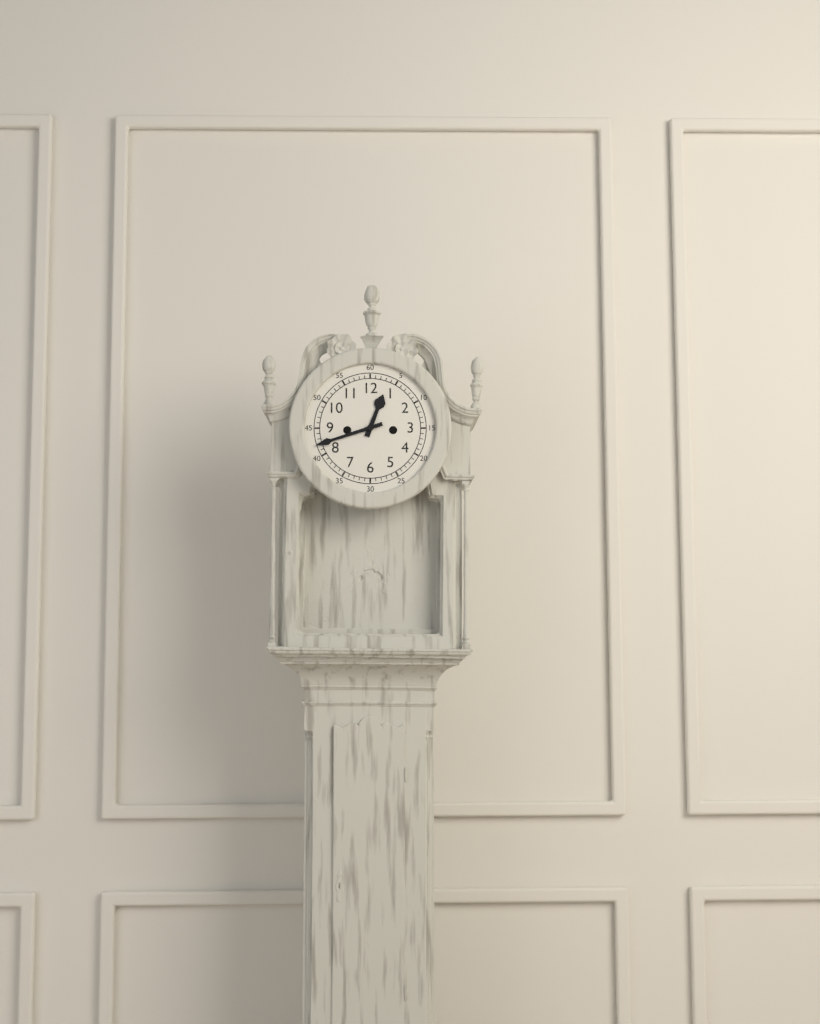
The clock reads 12h42
